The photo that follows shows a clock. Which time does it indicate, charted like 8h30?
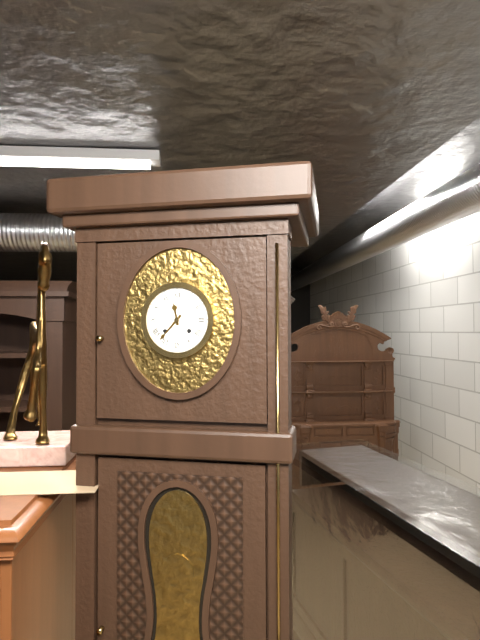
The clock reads 11h37
